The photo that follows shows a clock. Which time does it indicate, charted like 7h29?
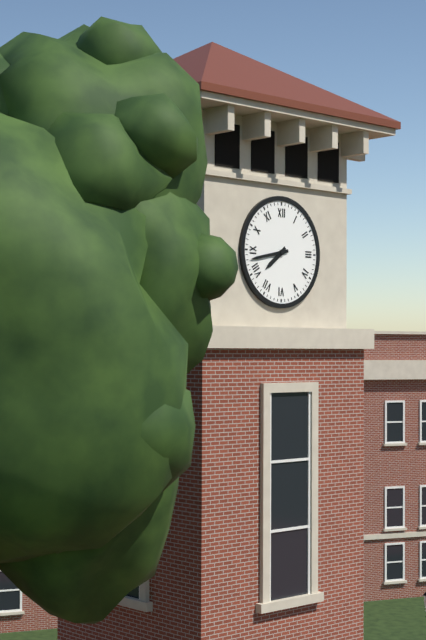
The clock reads 7h43
